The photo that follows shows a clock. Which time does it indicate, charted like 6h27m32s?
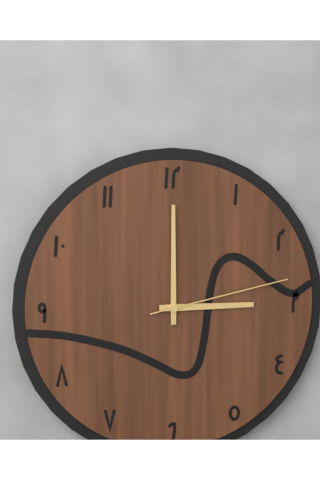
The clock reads 3h00m13s
